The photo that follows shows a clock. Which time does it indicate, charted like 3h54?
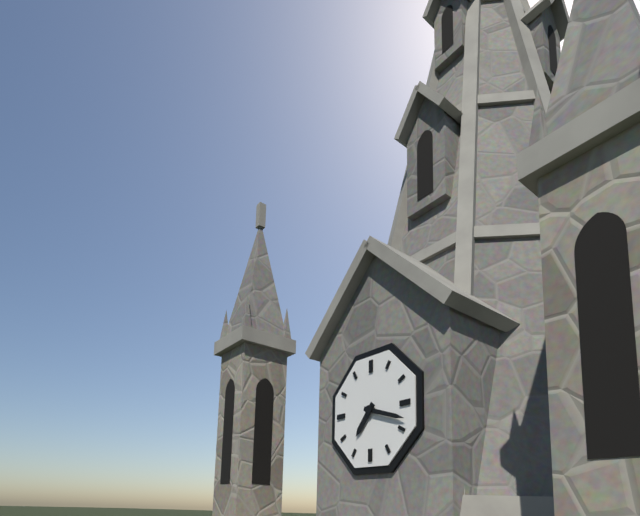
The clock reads 7h18
